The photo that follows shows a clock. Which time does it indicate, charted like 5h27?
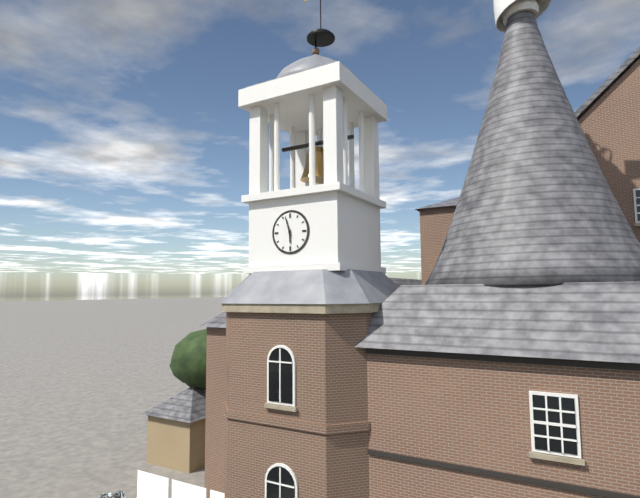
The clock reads 5h57
